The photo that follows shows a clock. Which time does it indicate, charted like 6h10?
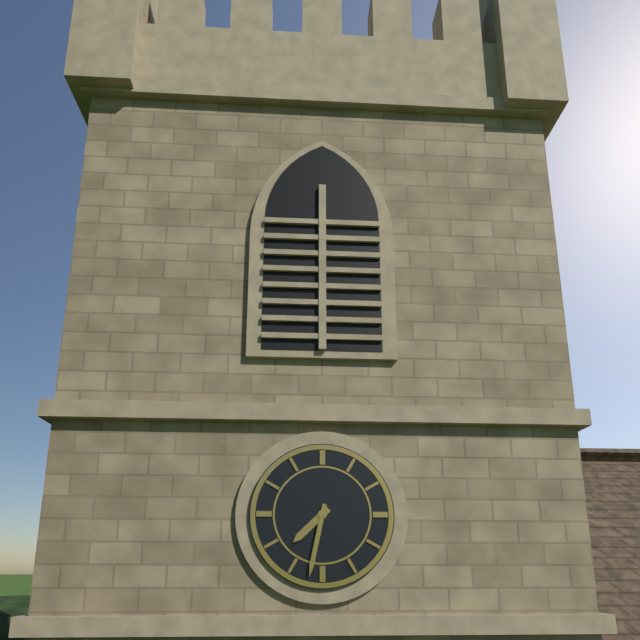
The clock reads 7h32
